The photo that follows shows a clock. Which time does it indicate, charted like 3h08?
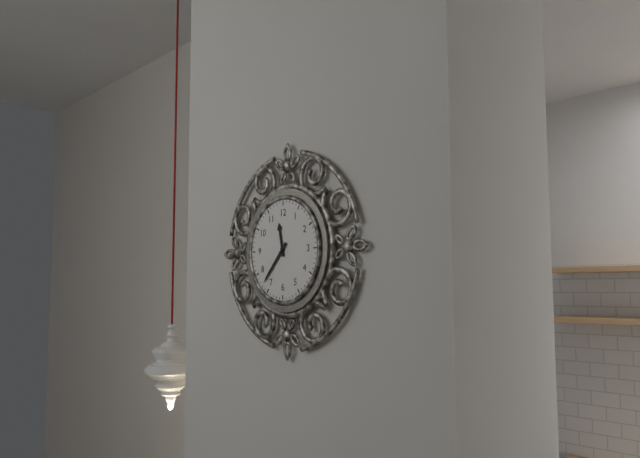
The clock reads 11h37
